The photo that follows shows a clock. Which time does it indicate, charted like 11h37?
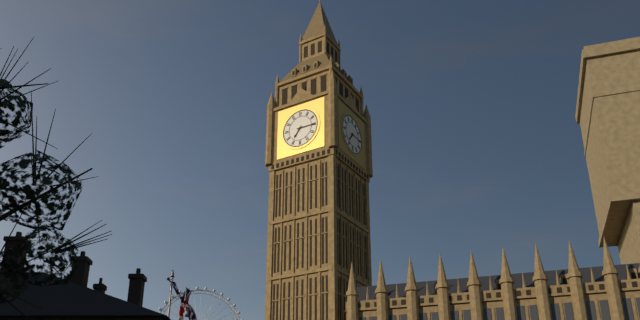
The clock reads 7h15
